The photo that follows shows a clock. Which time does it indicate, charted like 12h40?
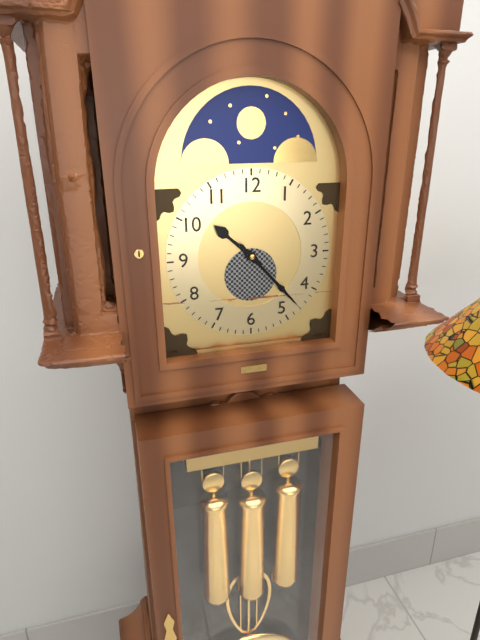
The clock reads 10h23
